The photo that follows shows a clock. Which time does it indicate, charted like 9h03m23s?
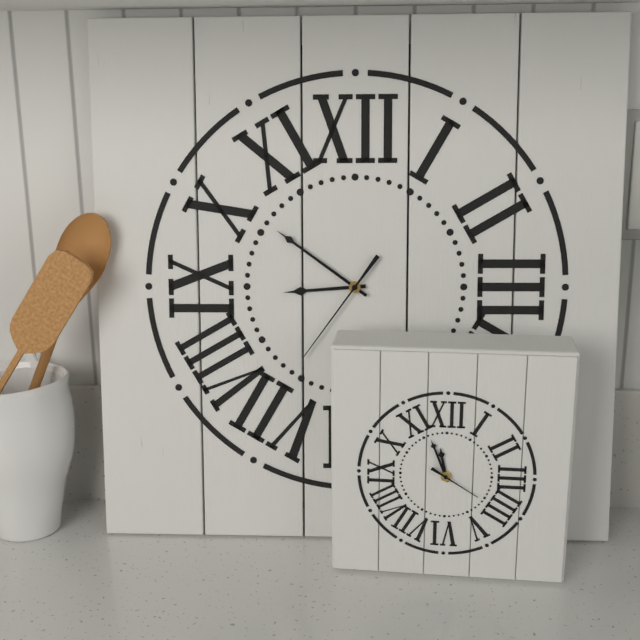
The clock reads 8h51m36s
